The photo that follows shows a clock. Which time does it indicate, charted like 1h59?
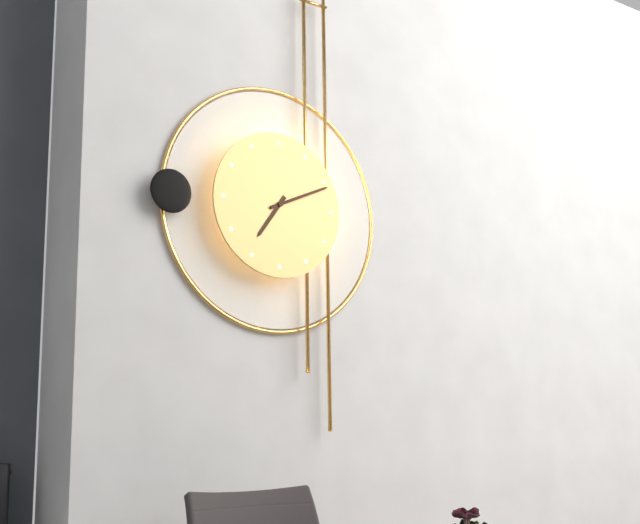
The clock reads 7h11
